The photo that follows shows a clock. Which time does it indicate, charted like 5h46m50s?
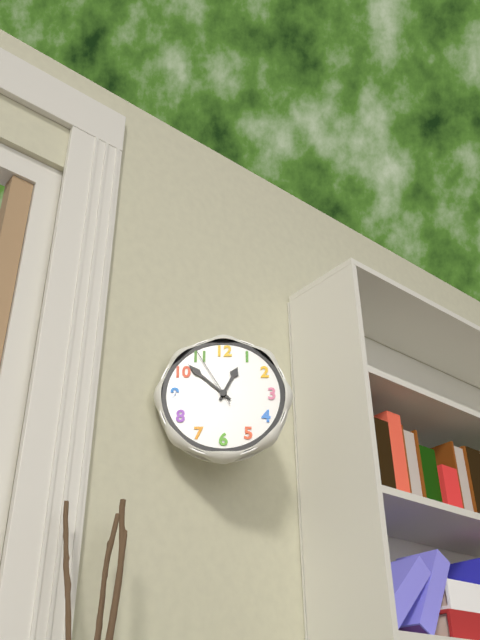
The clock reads 12h52m55s
